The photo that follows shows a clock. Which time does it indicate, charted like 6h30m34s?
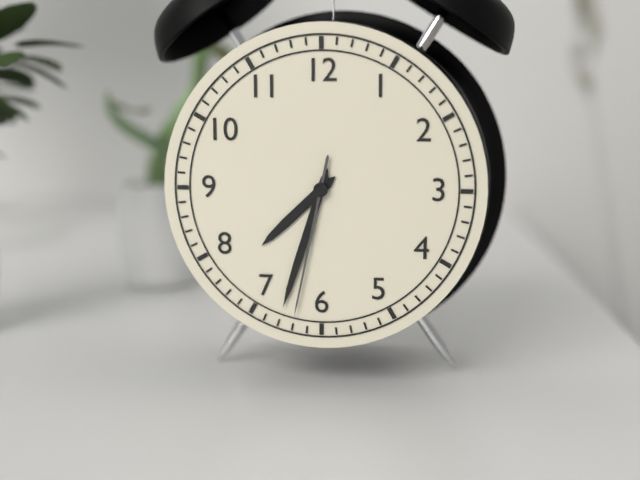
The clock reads 7h33m32s
